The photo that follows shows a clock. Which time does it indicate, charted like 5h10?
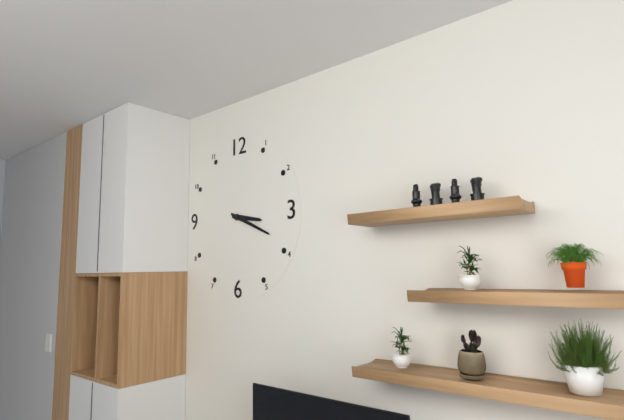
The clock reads 3h19
